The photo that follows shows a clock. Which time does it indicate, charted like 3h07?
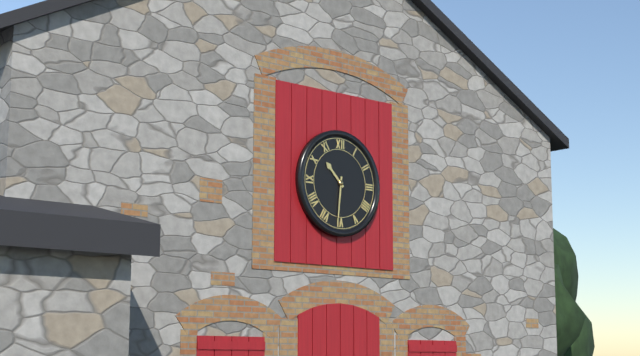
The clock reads 10h31
